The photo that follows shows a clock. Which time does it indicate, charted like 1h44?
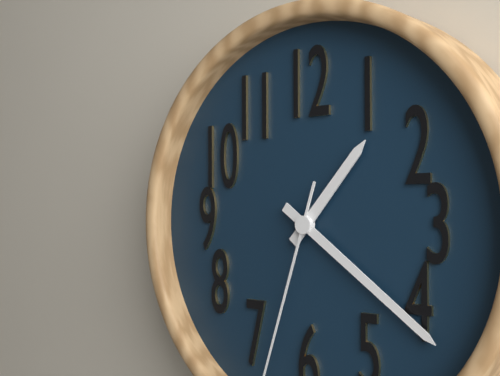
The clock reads 1h21
